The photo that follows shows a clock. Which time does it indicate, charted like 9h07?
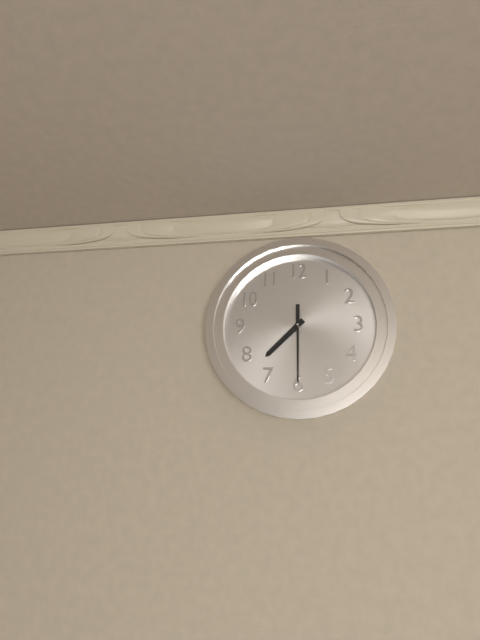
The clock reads 7h30
